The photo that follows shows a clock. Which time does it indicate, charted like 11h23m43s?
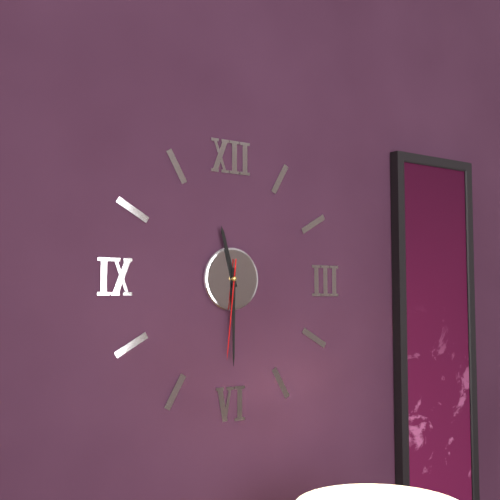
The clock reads 11h30m31s
